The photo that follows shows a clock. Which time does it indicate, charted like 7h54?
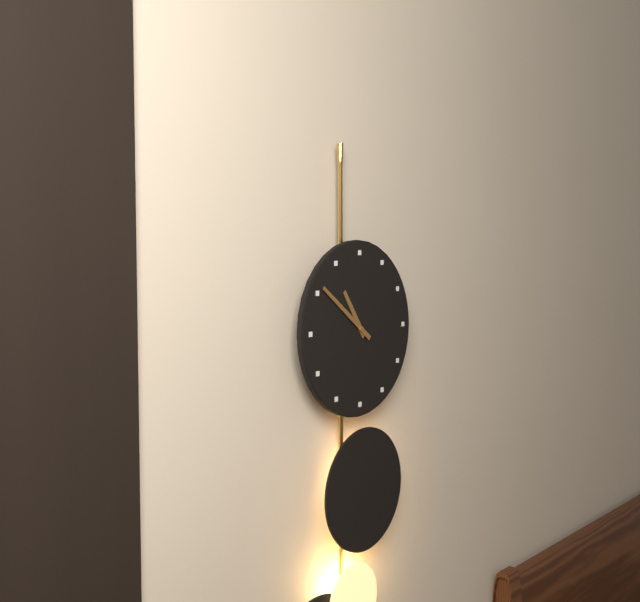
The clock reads 10h51
